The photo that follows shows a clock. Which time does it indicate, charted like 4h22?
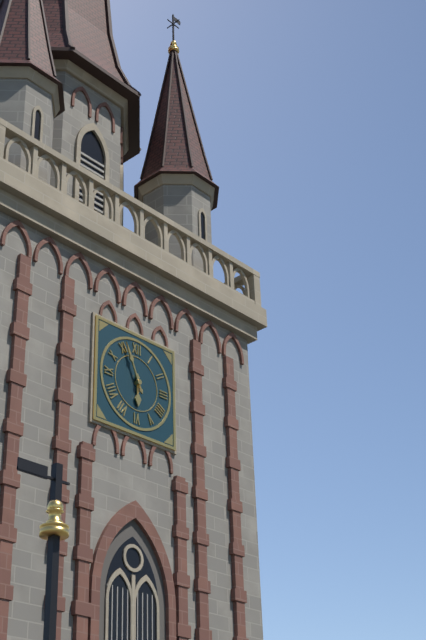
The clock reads 5h56
